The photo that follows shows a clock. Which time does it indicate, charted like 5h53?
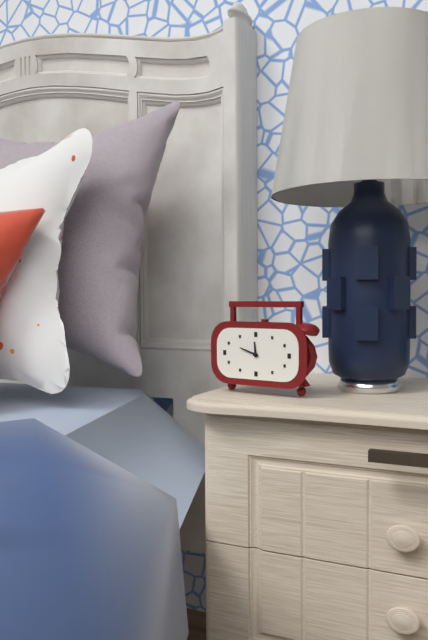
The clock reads 11h48
